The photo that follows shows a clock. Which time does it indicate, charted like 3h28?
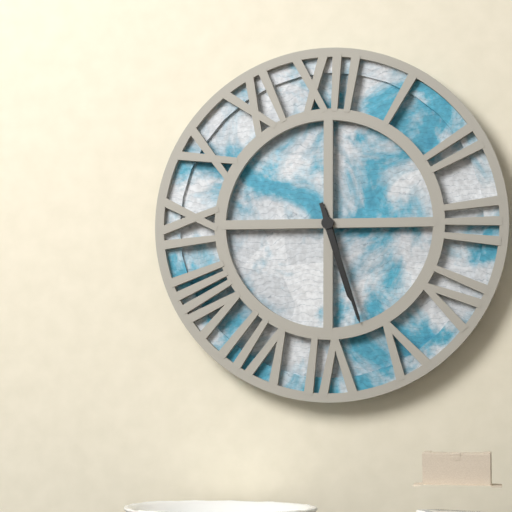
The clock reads 5h27
